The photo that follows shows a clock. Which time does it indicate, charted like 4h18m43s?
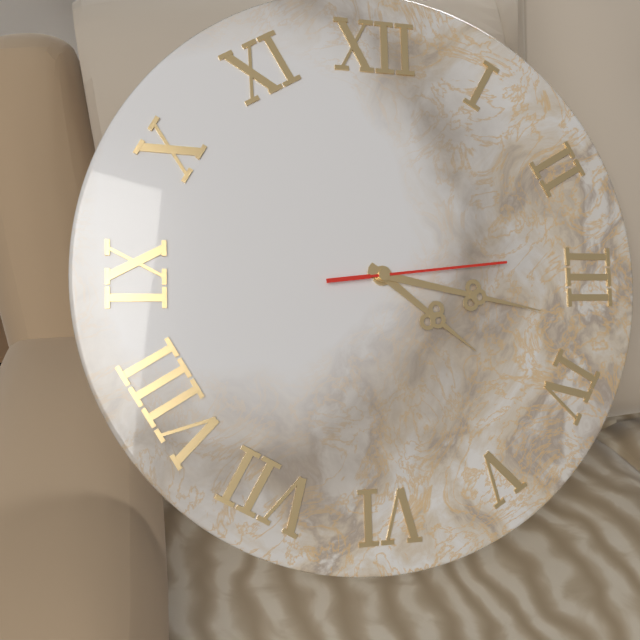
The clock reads 4h17m14s
